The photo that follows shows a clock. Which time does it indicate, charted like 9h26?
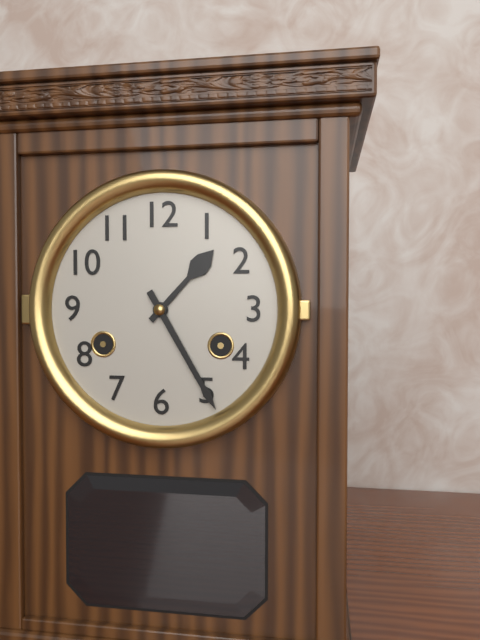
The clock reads 1h25
